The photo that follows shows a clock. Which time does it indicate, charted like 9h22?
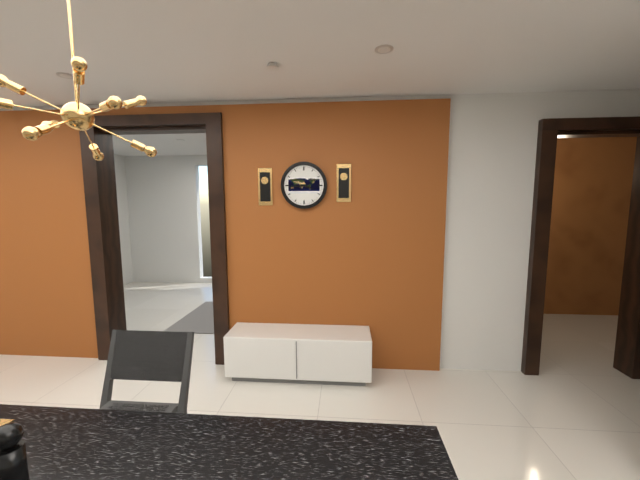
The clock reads 3h44
